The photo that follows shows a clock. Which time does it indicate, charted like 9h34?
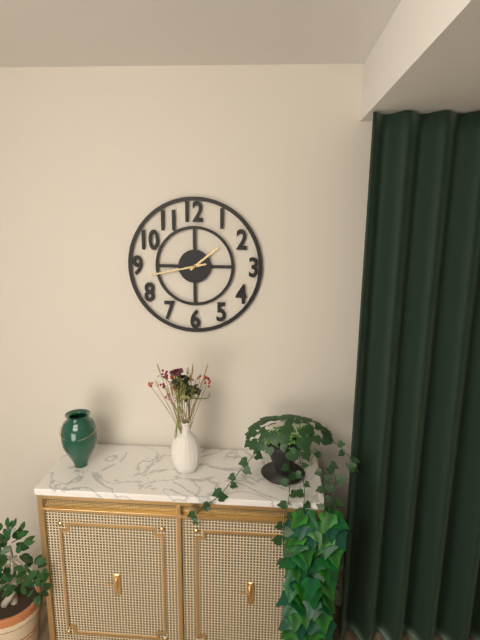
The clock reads 1h43
